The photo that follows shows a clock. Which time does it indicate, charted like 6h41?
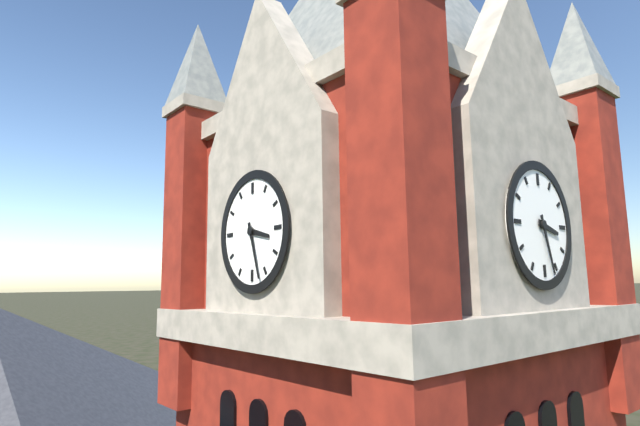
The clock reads 3h27
